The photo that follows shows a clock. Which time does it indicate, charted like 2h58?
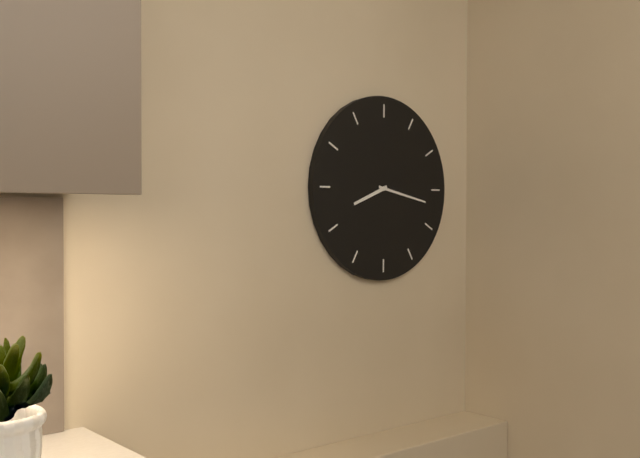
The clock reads 8h17
